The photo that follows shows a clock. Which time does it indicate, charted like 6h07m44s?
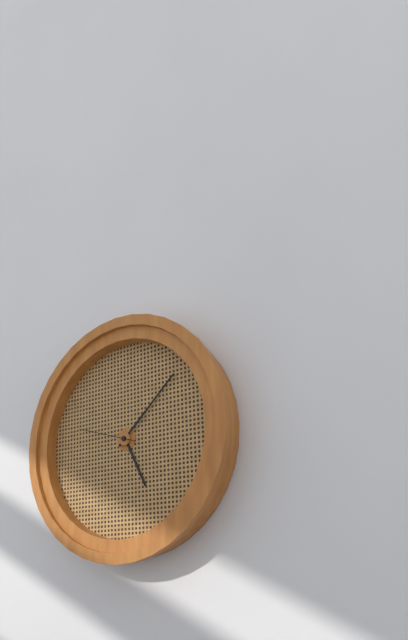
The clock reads 5h08m48s
